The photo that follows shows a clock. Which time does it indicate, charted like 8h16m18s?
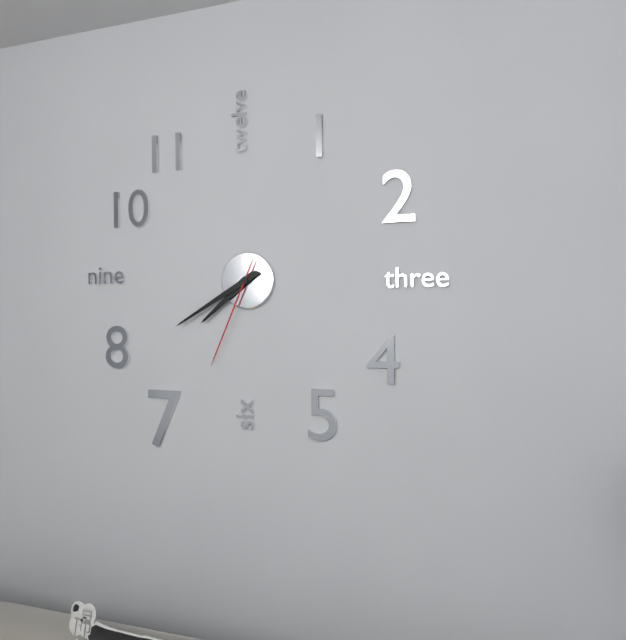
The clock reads 7h40m34s
